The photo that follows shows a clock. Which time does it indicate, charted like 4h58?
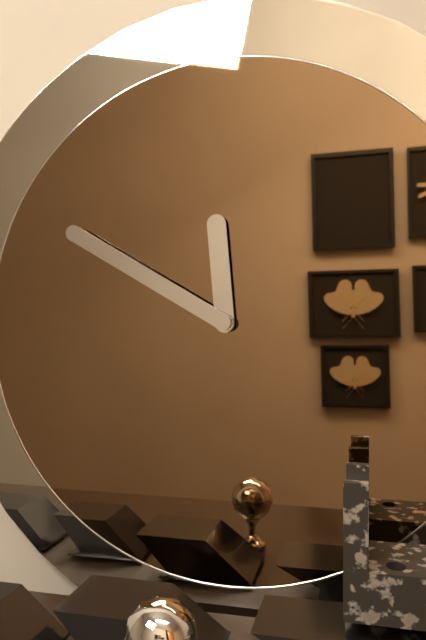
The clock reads 11h50
